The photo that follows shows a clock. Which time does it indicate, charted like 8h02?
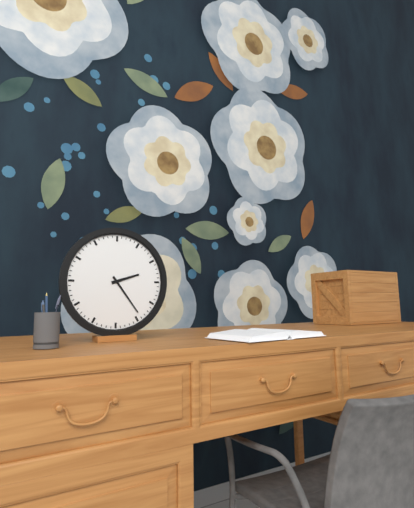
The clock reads 2h24
